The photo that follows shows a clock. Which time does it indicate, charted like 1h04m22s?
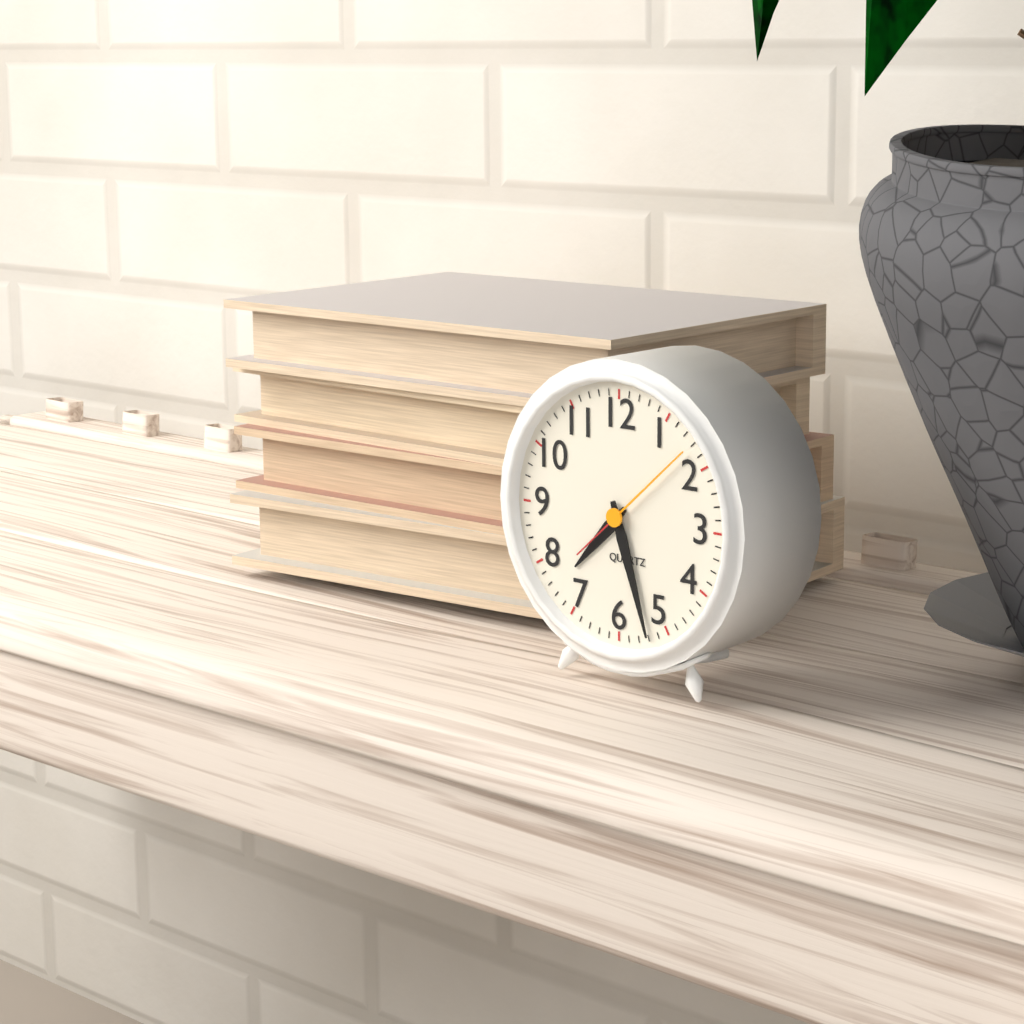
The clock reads 7h27m08s
